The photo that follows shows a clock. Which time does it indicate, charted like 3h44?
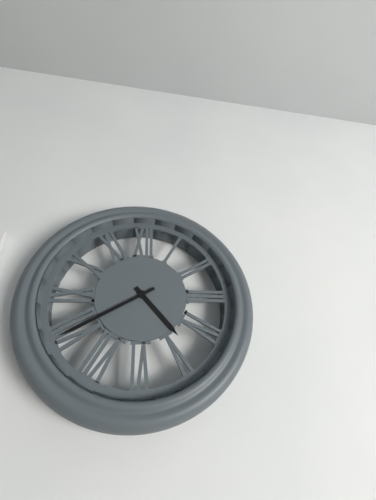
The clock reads 4h40
